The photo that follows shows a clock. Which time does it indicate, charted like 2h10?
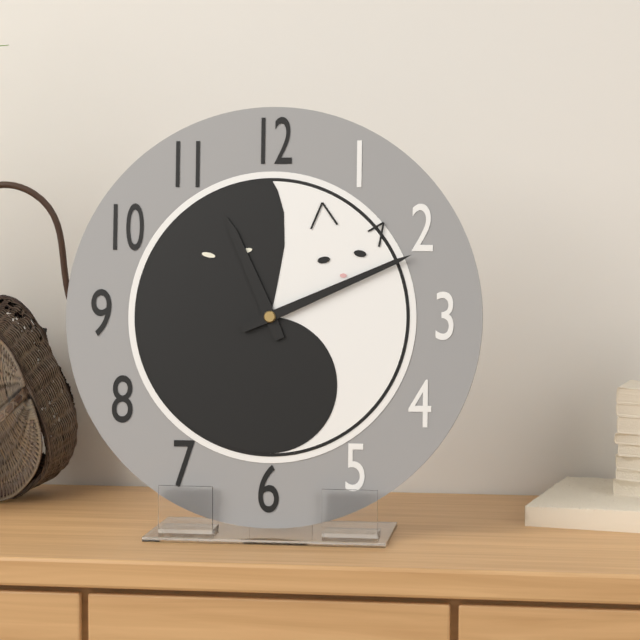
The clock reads 11h11
